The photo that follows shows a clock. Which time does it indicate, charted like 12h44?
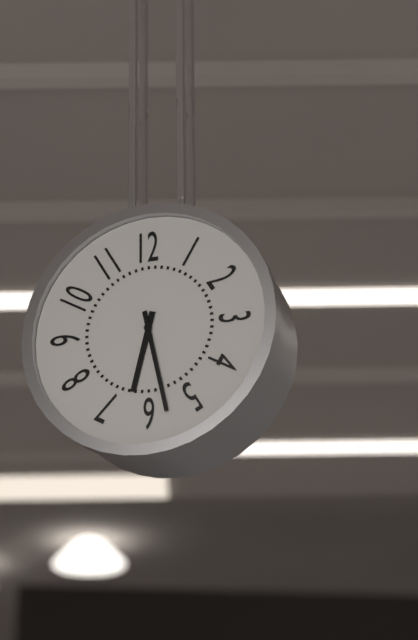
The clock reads 6h28
